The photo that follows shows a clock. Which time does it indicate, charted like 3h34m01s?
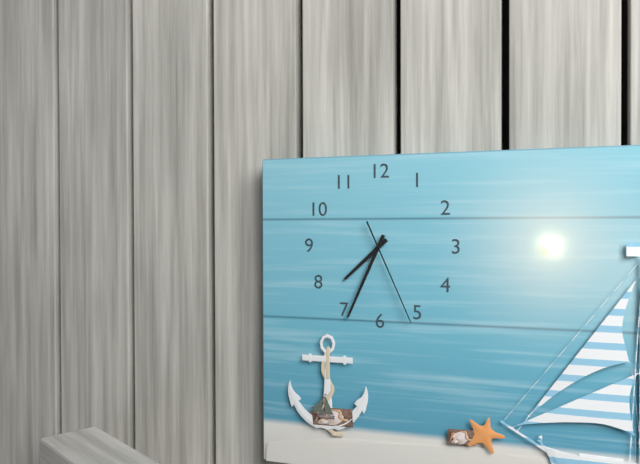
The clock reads 7h34m26s
